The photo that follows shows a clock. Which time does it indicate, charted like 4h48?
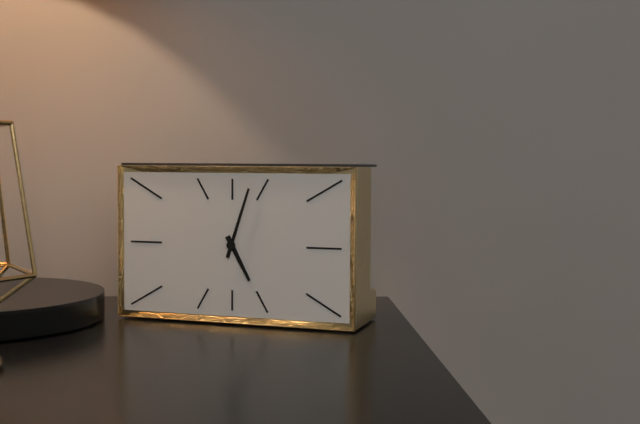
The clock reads 5h03
